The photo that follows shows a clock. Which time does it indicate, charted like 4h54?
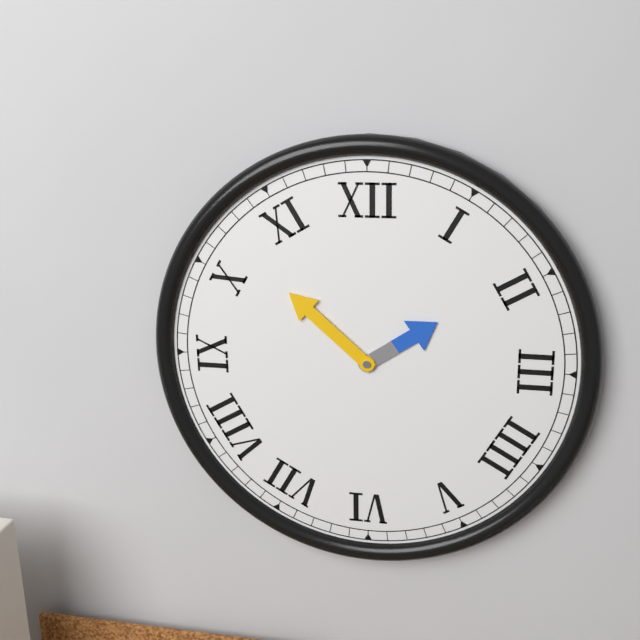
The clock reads 1h52
